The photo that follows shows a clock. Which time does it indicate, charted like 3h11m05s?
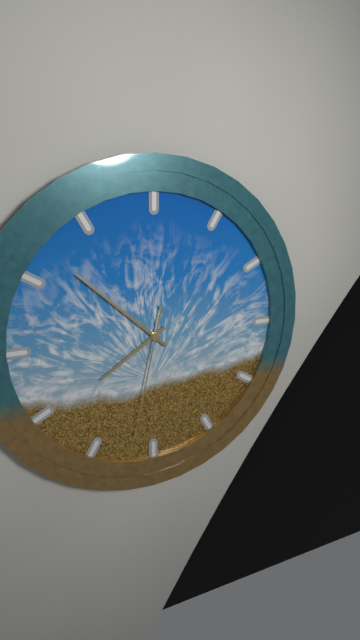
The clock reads 7h52m32s
